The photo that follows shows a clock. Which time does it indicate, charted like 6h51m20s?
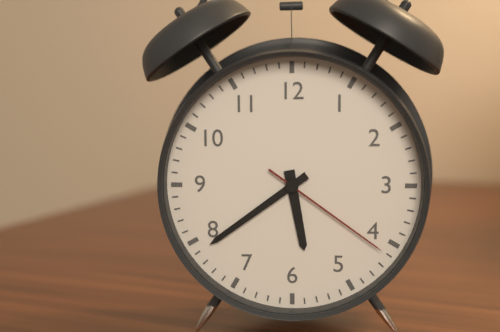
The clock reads 5h39m21s
